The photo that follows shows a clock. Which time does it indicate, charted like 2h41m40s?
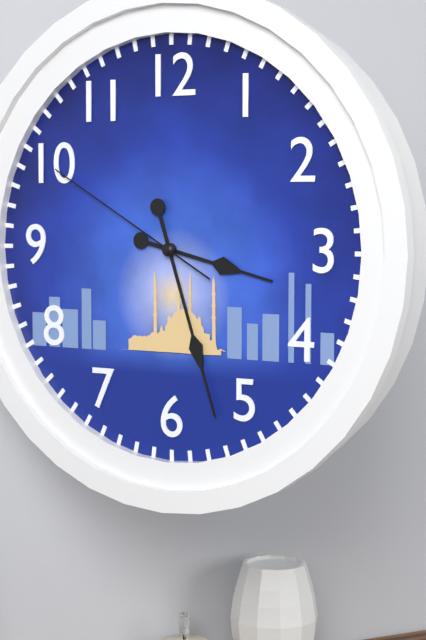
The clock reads 3h27m50s
